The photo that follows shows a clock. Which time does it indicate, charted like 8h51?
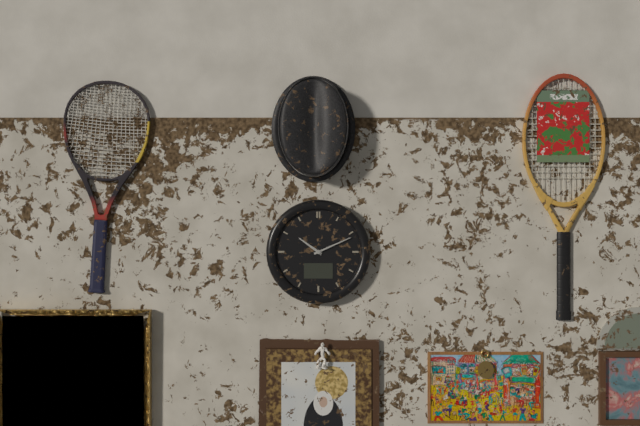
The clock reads 10h11
